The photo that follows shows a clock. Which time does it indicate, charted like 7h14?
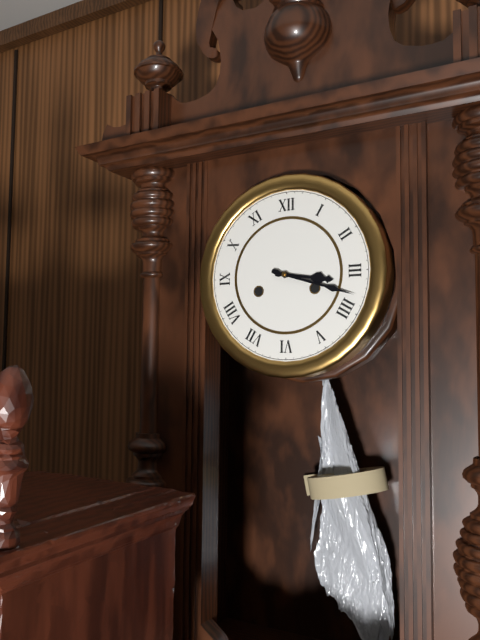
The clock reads 3h18
